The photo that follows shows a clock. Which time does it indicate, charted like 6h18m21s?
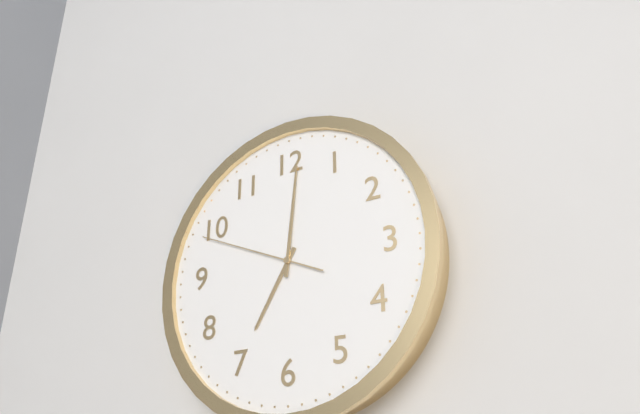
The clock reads 7h01m49s
